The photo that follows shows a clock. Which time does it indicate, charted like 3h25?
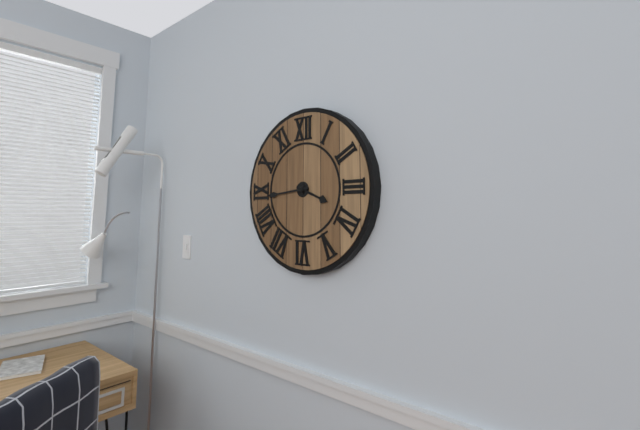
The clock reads 3h44
